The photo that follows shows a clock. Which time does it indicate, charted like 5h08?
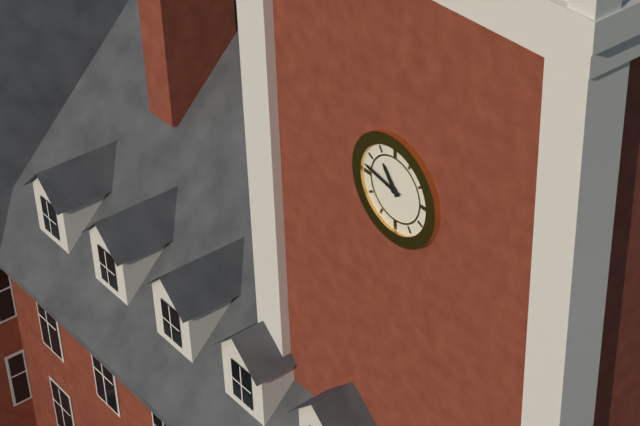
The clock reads 10h47
